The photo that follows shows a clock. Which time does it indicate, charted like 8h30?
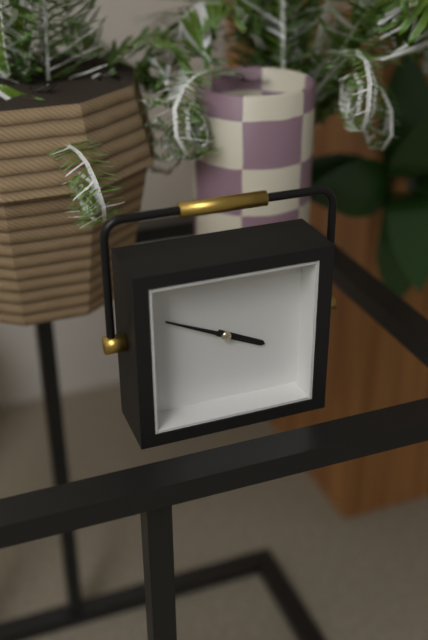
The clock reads 3h49
